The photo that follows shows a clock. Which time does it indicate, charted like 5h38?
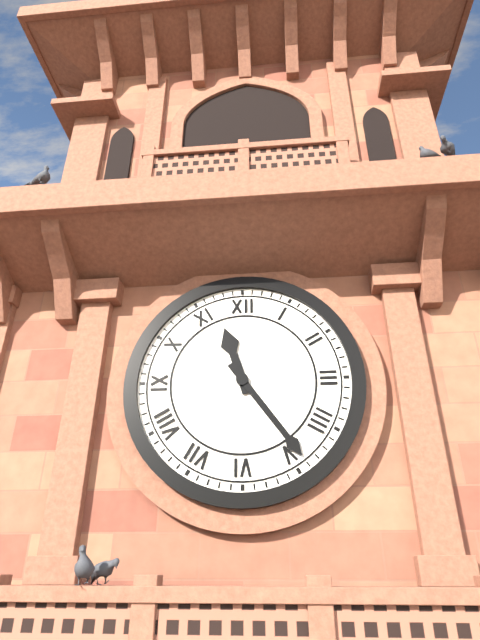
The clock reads 11h24
